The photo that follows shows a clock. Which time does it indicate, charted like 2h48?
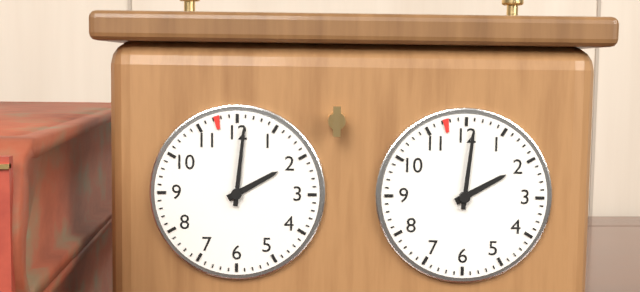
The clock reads 2h01
